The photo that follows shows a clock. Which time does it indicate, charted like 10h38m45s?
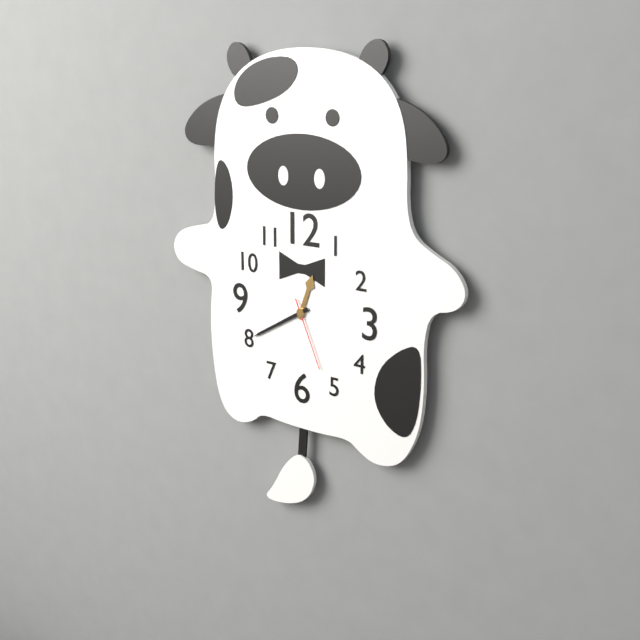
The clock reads 12h40m26s
